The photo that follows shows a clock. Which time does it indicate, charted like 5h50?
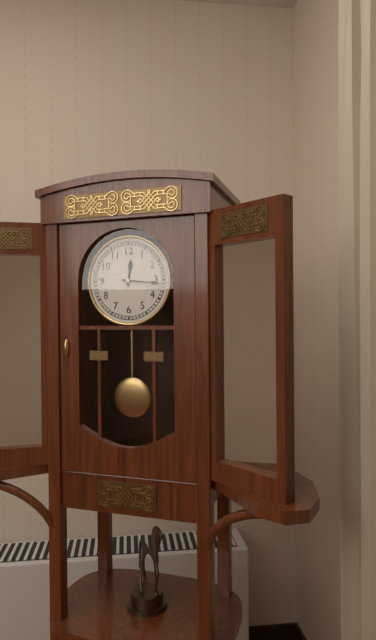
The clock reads 12h16
